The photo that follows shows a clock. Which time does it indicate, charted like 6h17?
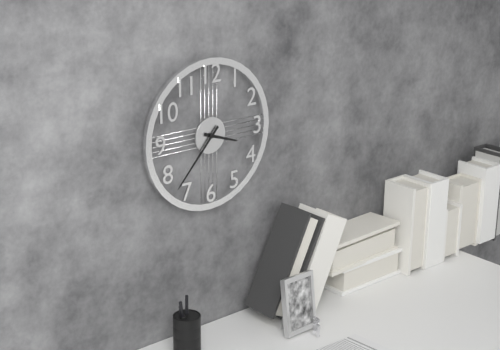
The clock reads 3h37
